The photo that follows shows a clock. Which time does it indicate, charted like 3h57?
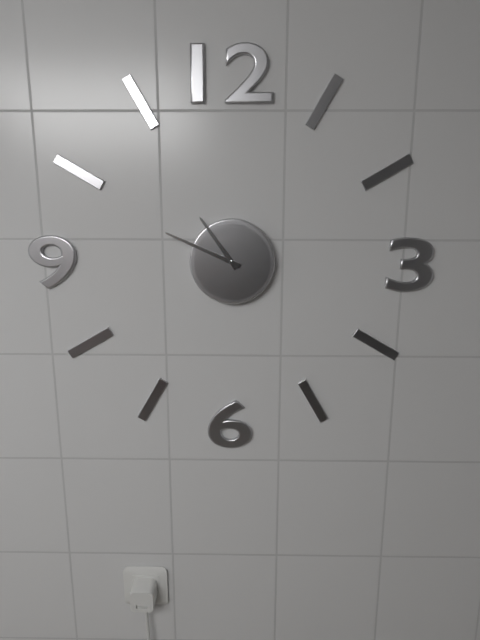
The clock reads 10h49
